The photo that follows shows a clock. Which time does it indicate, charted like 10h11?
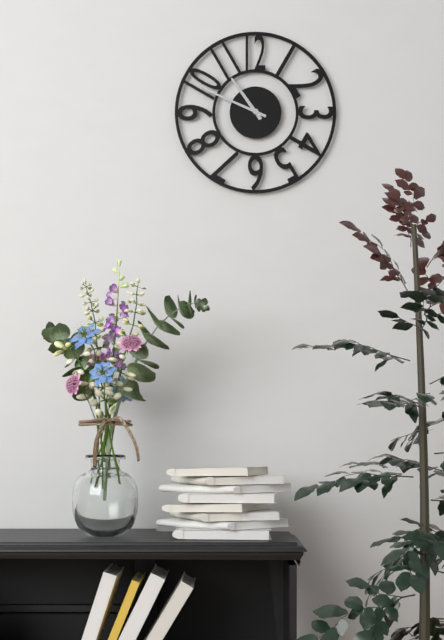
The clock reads 10h49
